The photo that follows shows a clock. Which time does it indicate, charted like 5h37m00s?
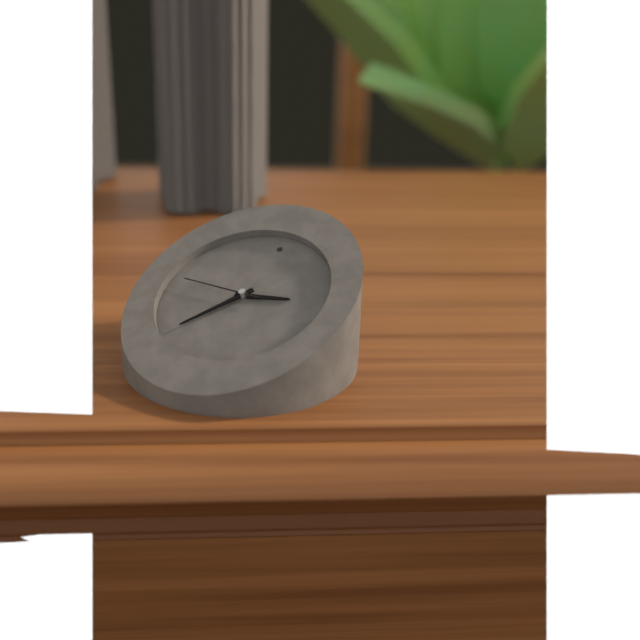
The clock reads 2h36m45s
